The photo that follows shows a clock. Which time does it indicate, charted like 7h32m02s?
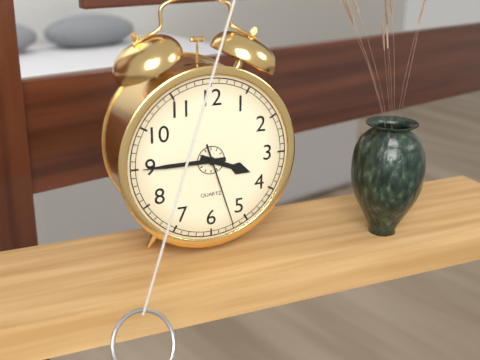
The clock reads 3h45m27s
